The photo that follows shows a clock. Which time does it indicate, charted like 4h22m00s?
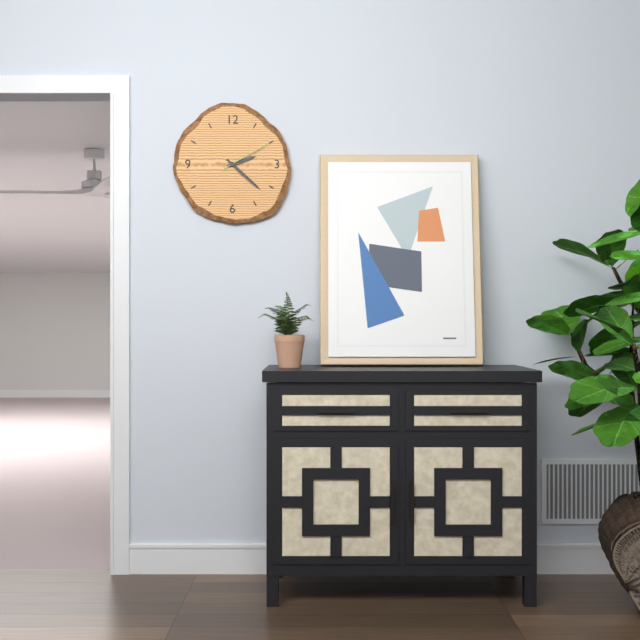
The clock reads 2h22m10s
